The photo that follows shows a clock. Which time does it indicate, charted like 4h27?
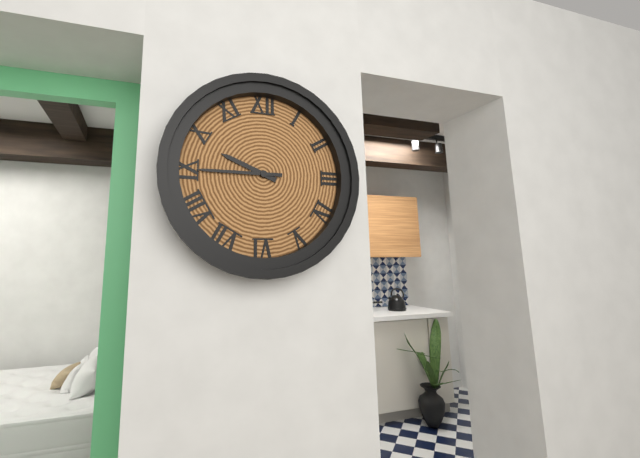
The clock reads 9h45
